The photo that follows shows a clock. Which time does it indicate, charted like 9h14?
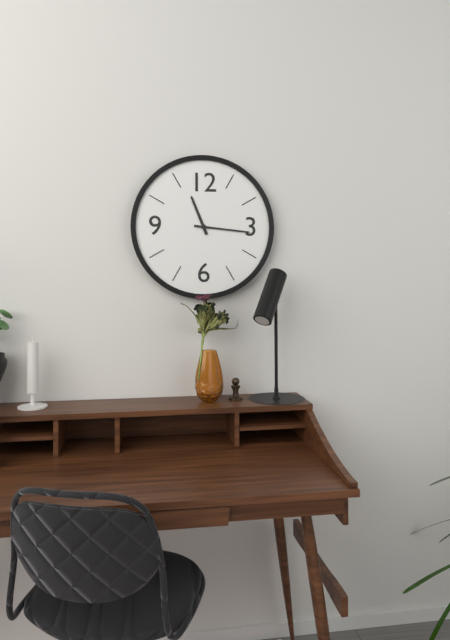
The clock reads 11h16
